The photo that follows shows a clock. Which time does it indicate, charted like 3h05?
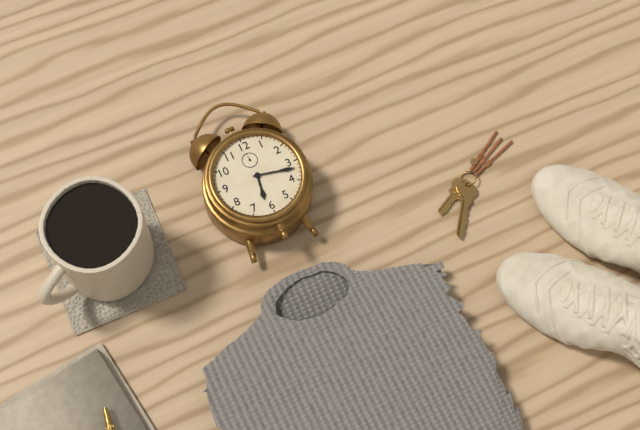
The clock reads 6h17
